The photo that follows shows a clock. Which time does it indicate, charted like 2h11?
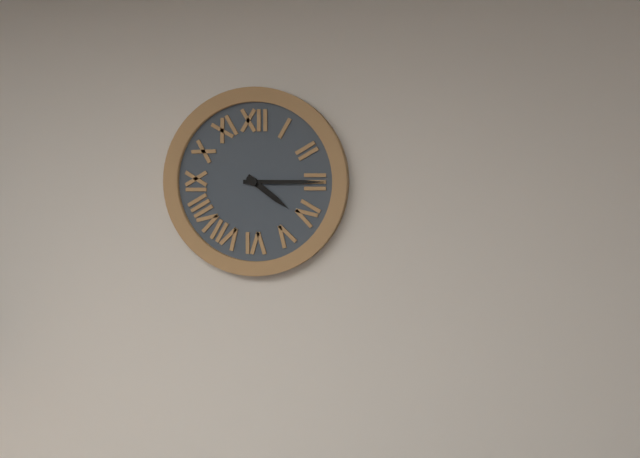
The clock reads 4h15
